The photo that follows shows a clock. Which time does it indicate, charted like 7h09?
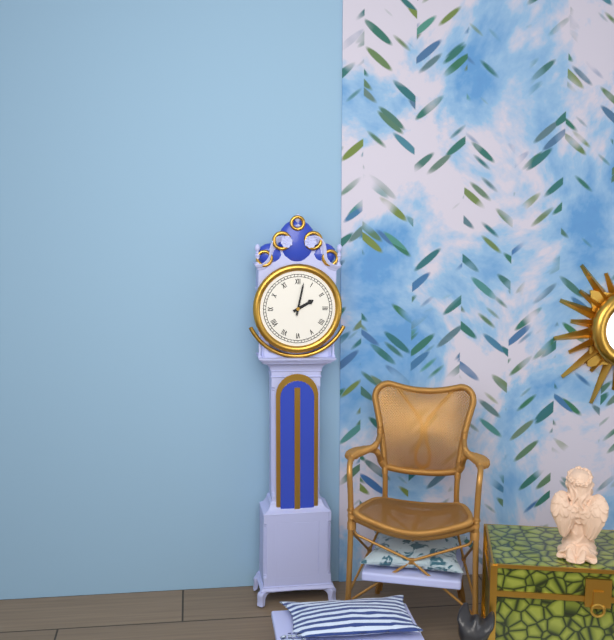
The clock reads 2h02
